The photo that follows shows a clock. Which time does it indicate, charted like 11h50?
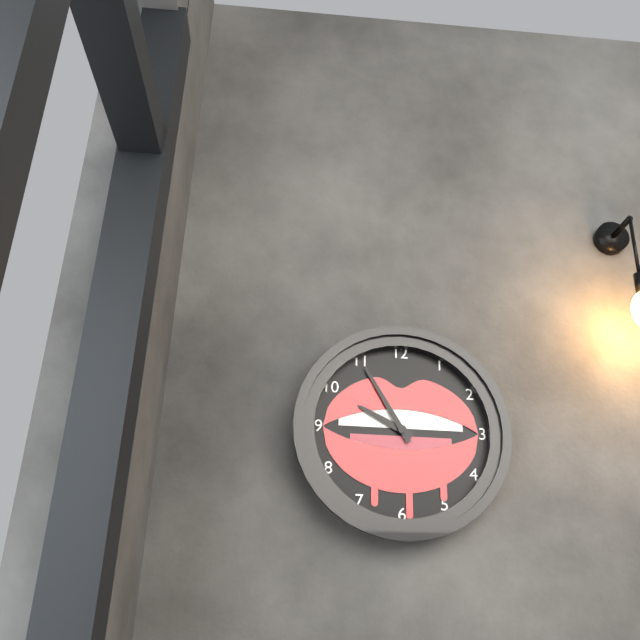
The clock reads 9h55
